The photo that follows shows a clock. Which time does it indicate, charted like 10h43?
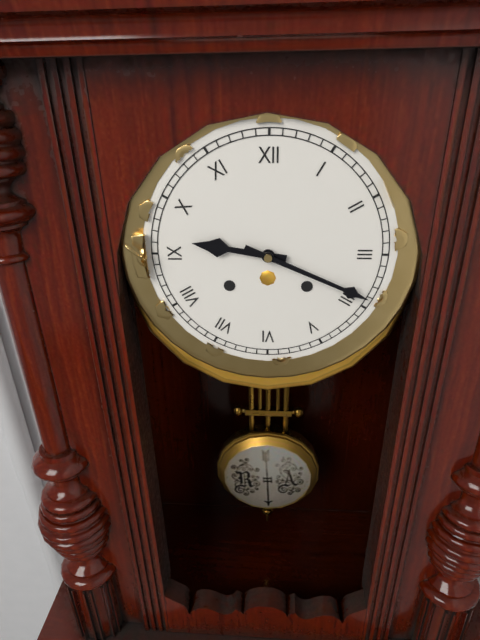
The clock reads 9h19
